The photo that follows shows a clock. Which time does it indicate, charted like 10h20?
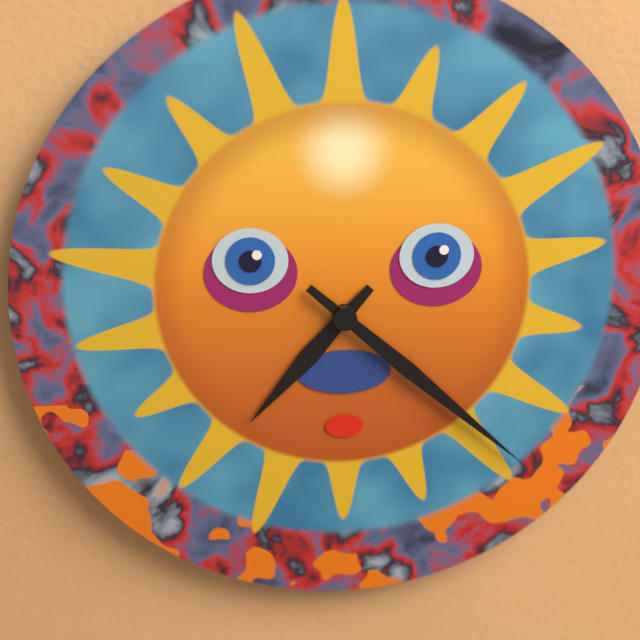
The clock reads 7h22
